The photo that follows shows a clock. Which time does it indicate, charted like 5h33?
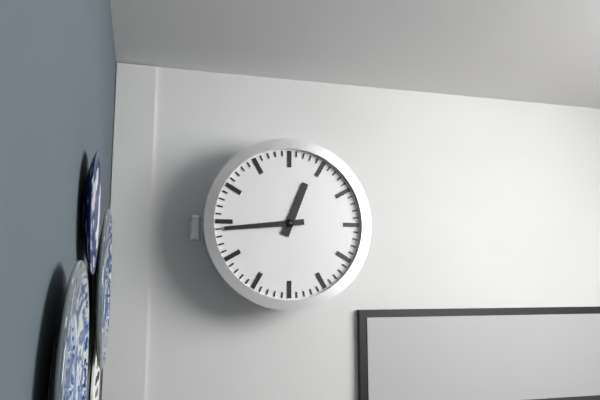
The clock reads 12h44
